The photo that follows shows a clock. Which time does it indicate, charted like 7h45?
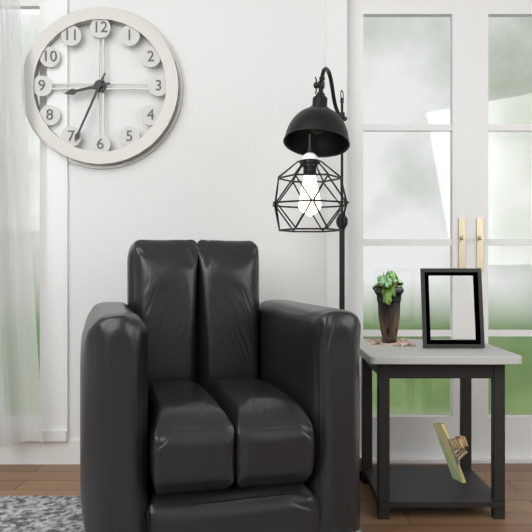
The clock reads 8h34
